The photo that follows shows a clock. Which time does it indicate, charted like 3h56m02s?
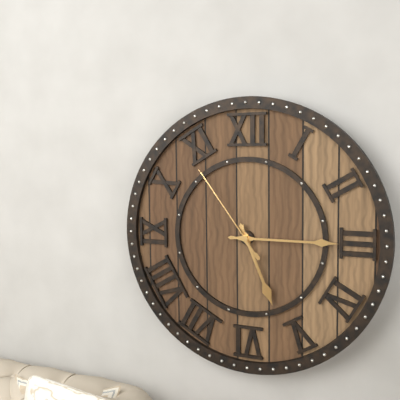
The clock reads 5h15m54s
